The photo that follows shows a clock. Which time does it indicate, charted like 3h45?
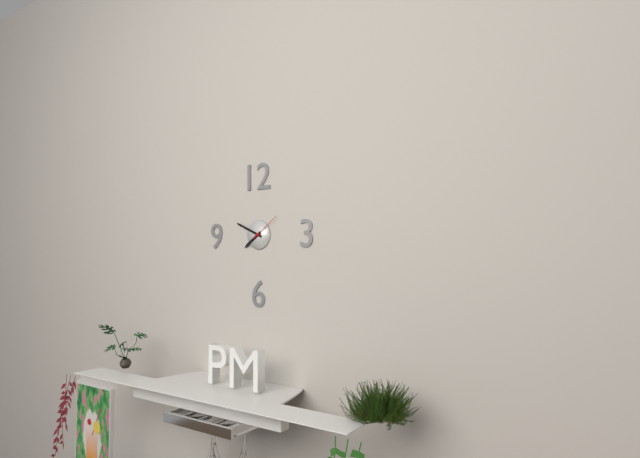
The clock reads 7h49
